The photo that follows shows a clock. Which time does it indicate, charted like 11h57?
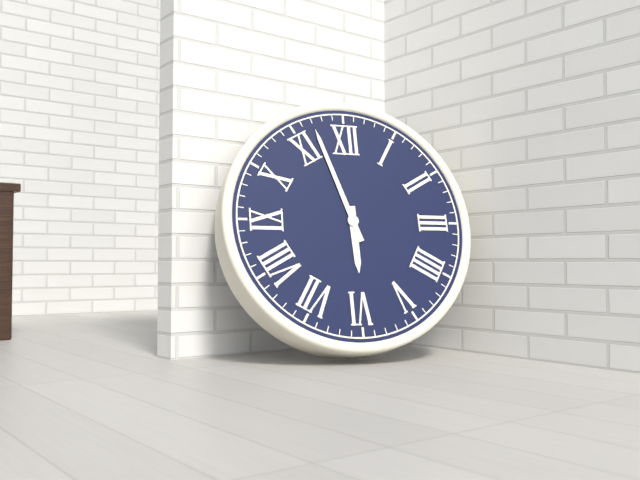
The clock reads 5h57
